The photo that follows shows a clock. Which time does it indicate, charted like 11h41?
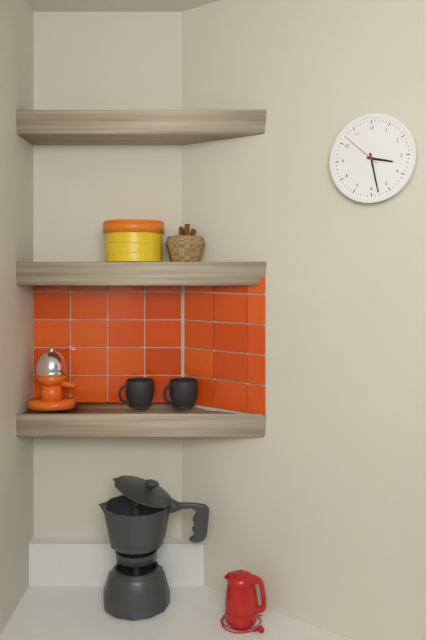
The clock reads 3h28
